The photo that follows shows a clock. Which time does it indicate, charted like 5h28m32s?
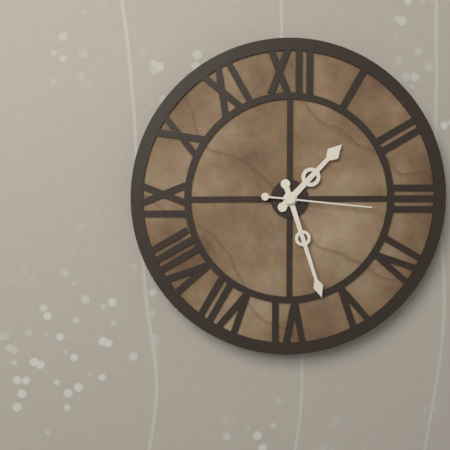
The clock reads 1h27m16s
